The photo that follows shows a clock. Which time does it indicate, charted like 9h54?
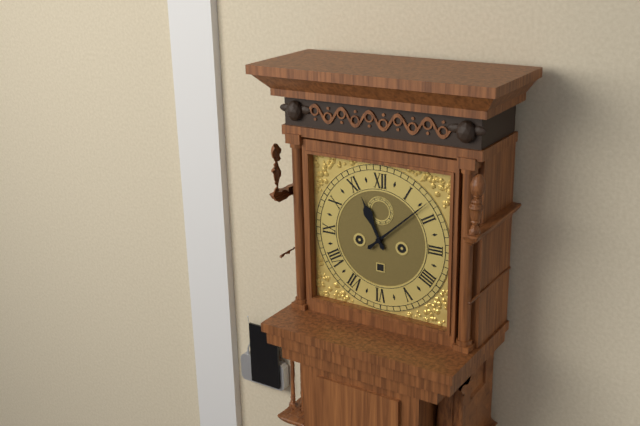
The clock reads 11h08
